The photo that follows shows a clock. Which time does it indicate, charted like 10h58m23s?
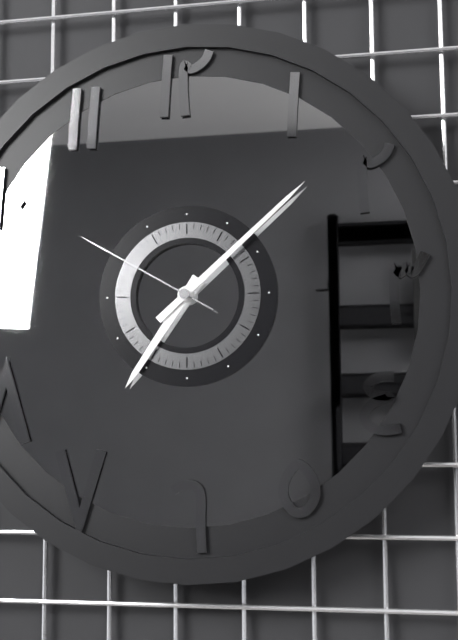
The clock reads 7h08m50s
